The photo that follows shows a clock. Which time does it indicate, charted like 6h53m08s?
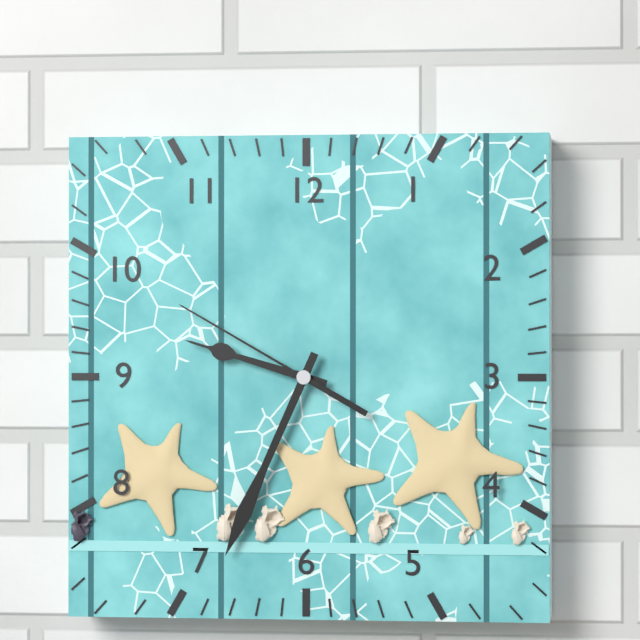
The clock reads 9h34m50s
